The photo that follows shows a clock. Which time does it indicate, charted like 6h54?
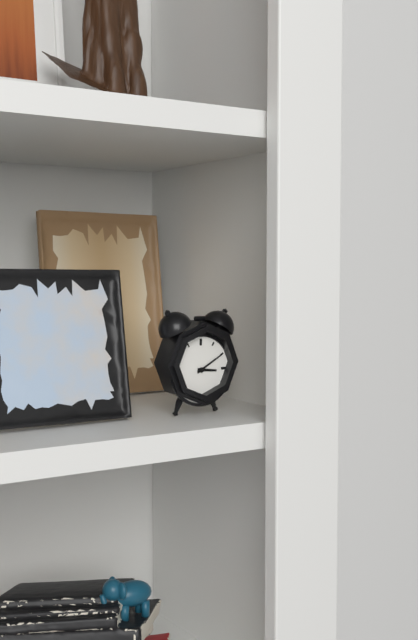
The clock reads 3h10
